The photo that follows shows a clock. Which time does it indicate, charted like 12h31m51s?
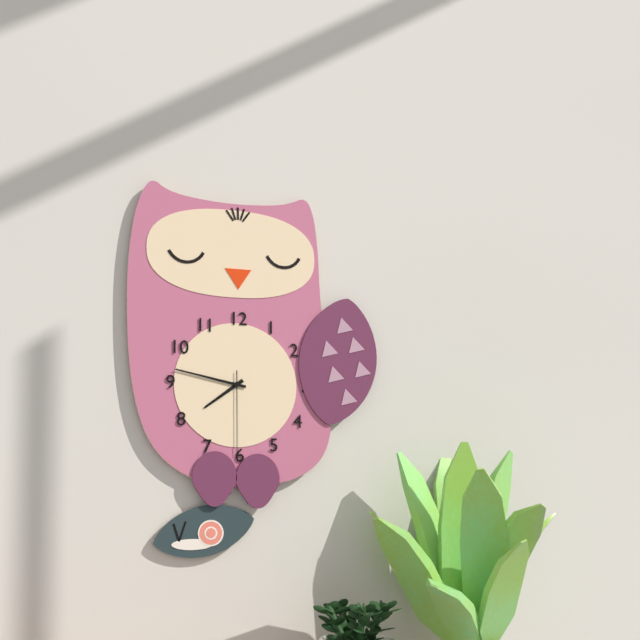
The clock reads 7h47m30s
